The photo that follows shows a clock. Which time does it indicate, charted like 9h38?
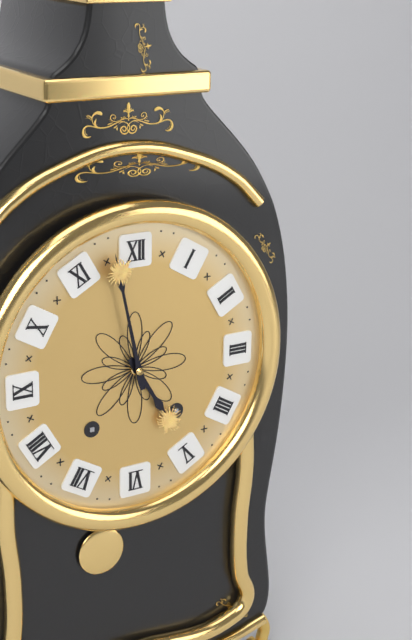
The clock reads 4h58
